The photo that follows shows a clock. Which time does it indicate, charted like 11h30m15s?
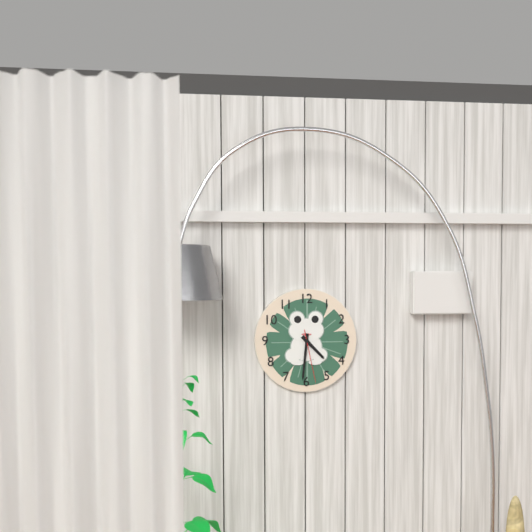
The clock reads 4h31m28s
